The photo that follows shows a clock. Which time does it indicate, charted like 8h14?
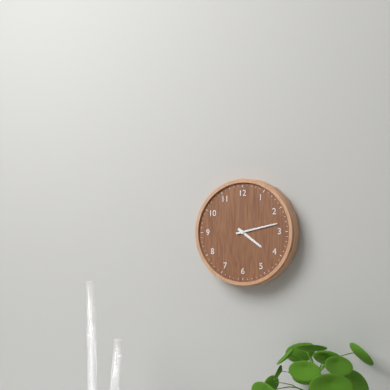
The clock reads 4h13
